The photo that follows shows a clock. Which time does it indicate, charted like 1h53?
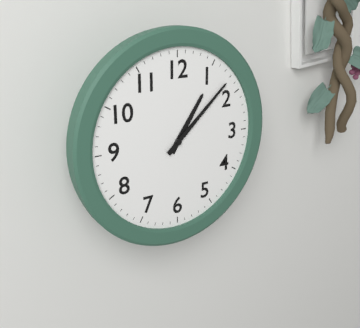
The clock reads 1h08
